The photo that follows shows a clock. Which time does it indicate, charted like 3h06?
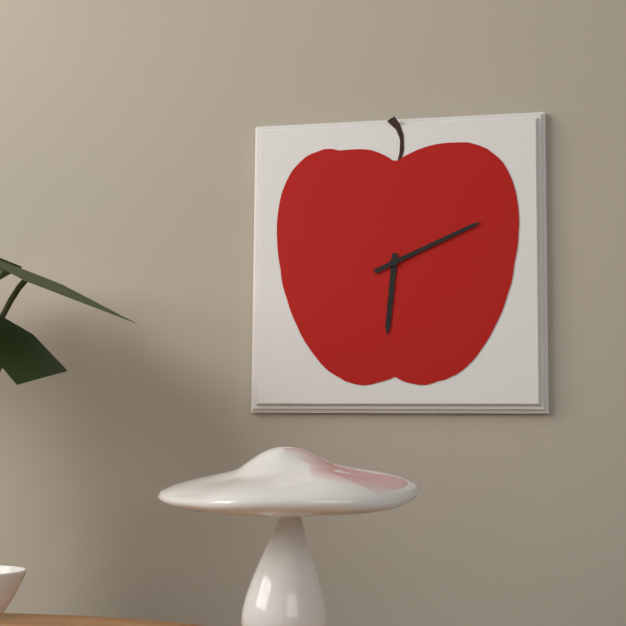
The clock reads 6h11
